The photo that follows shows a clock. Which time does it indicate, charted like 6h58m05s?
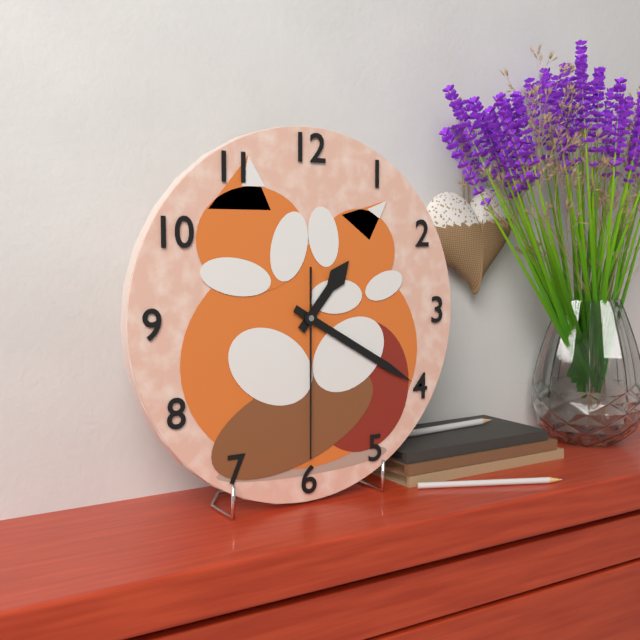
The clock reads 1h20m30s
